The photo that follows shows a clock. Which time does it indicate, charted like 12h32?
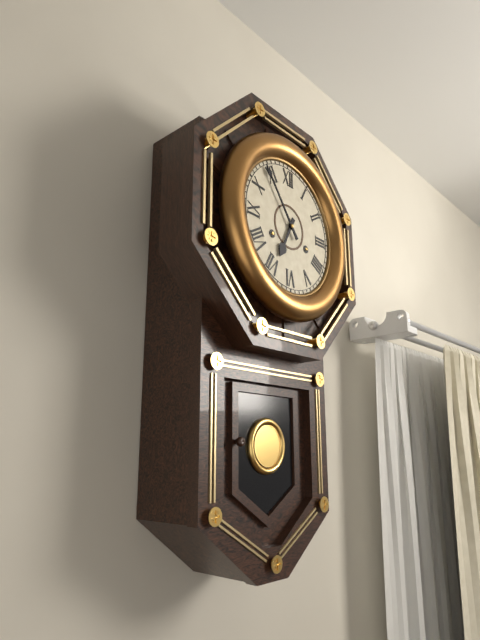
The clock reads 6h54
